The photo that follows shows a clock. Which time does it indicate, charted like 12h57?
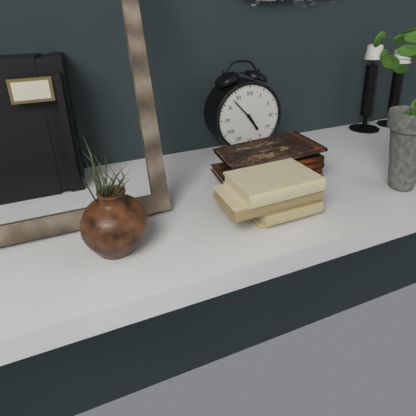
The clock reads 4h53
